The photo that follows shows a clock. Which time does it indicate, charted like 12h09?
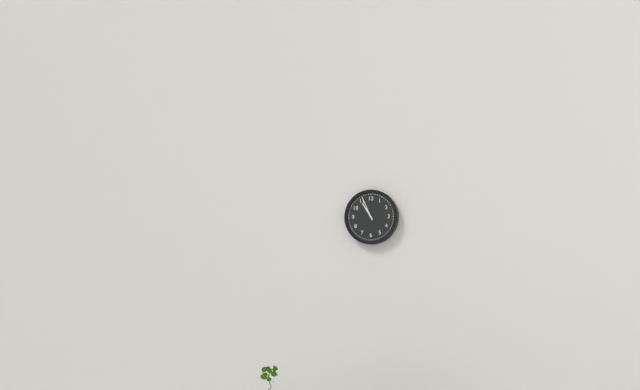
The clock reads 10h56
